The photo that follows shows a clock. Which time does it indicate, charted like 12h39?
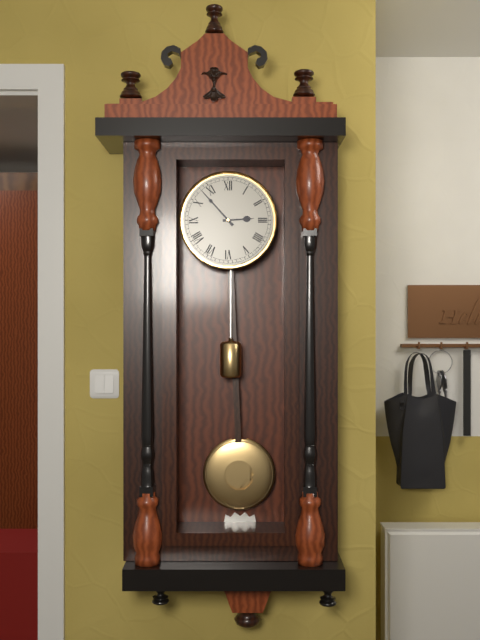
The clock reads 2h53
